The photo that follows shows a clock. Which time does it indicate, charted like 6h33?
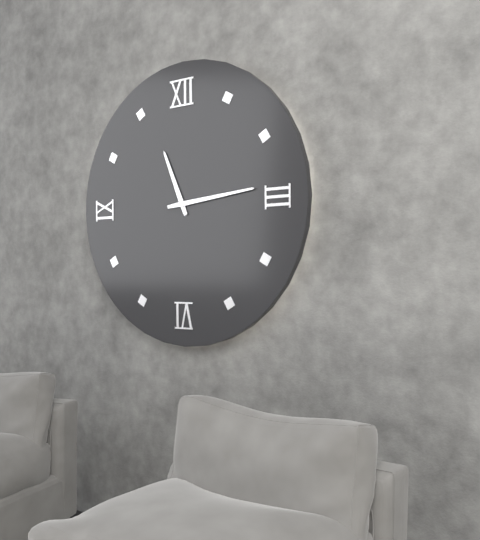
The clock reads 11h14
